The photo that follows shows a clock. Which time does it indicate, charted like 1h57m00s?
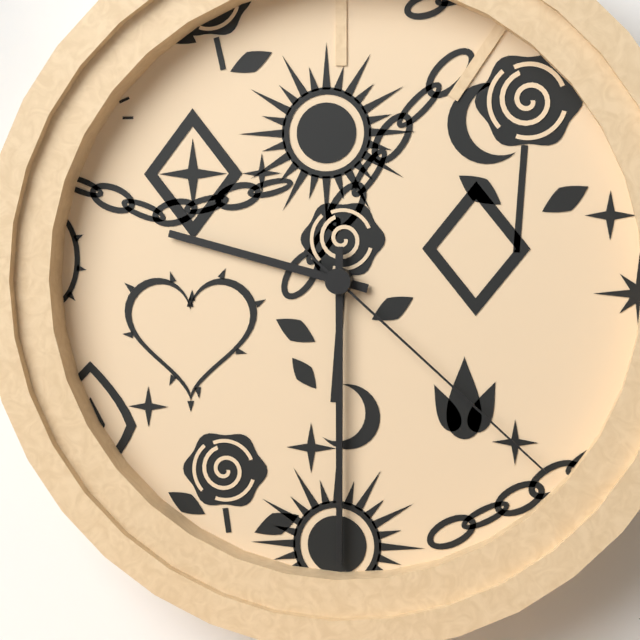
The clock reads 9h30m22s
